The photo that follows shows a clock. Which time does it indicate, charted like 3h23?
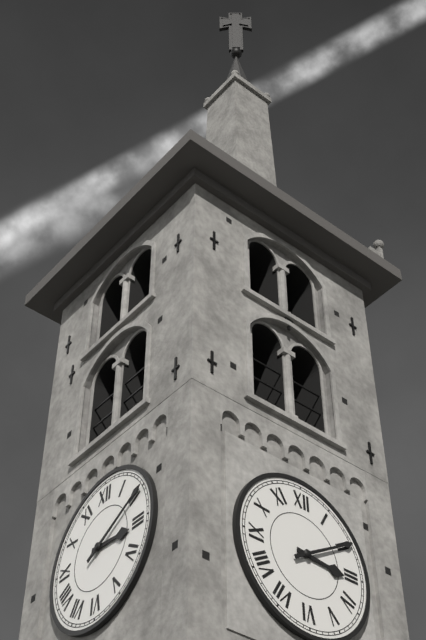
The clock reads 3h10
